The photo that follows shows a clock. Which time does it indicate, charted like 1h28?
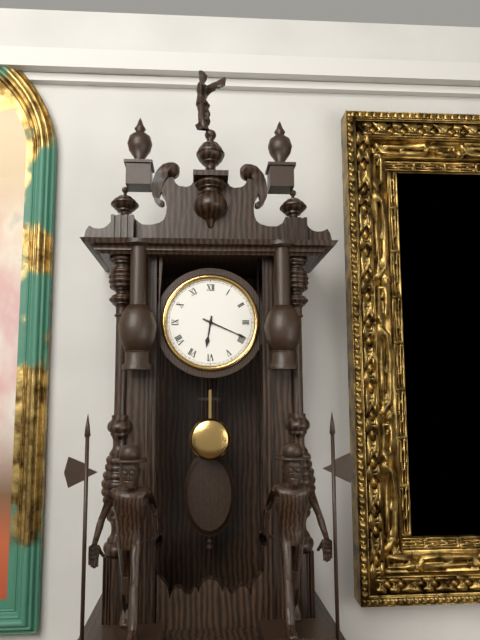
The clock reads 6h19
